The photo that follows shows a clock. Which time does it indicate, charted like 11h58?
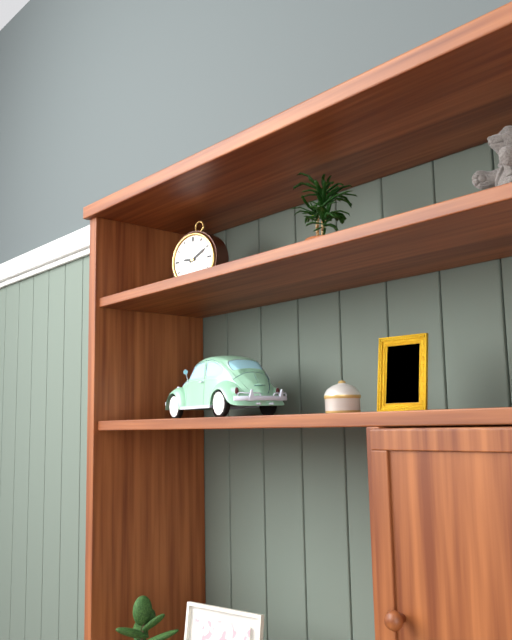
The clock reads 9h10
